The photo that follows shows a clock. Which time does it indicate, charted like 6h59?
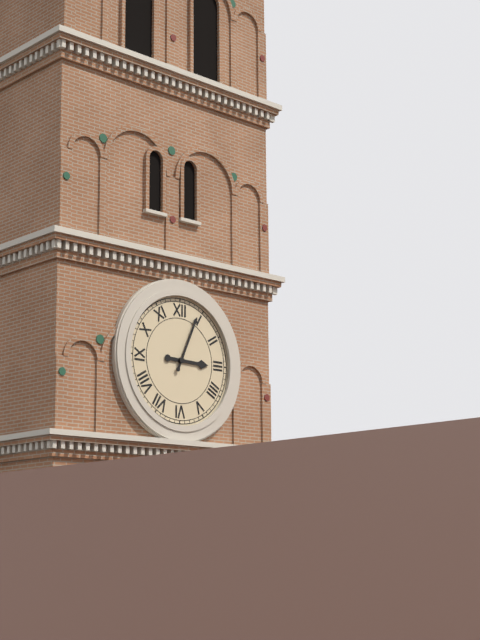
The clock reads 3h04
